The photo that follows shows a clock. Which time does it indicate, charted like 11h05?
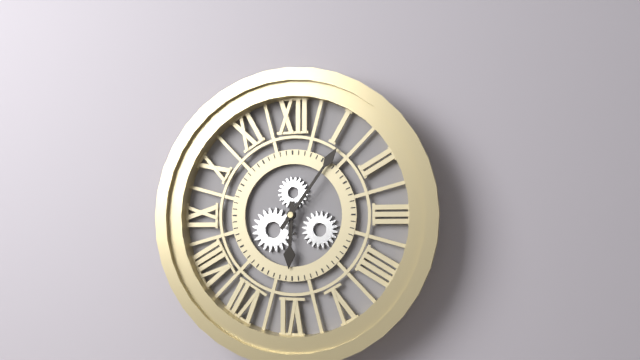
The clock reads 6h06
